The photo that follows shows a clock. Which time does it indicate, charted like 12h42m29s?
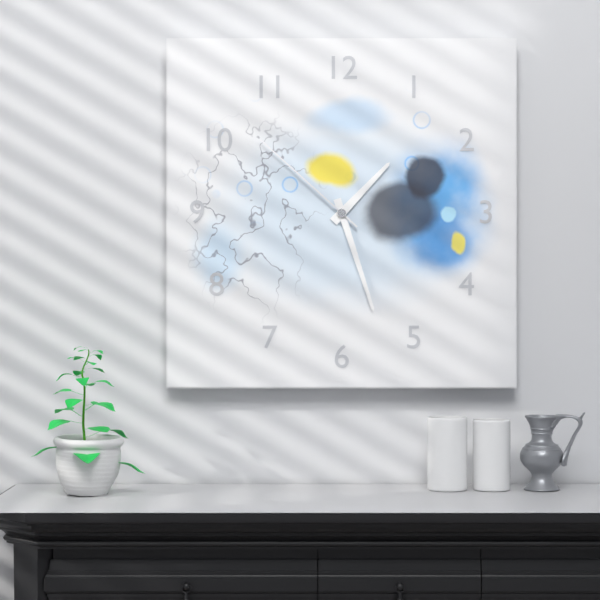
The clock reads 1h27m52s
